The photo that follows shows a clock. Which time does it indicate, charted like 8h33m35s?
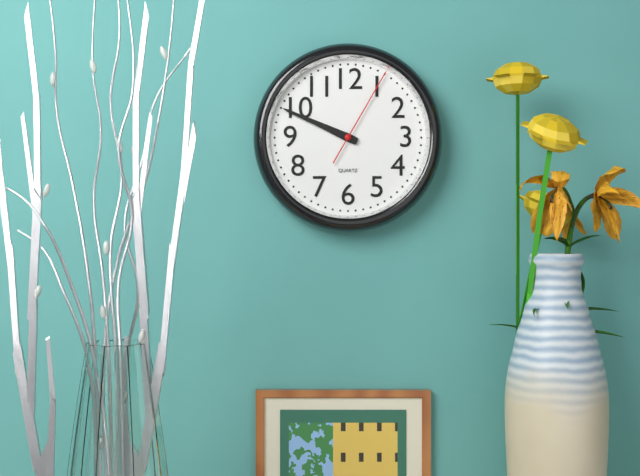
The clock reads 9h49m05s
